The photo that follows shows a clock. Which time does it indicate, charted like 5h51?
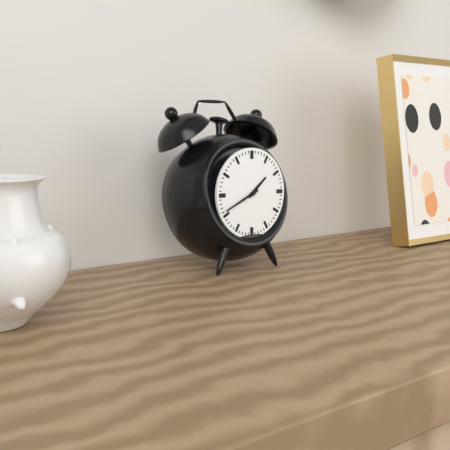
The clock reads 1h41
